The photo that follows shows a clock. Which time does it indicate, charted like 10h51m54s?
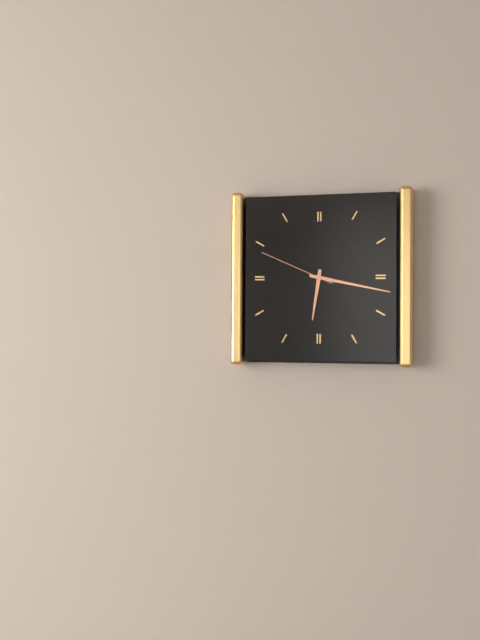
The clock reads 6h17m49s
